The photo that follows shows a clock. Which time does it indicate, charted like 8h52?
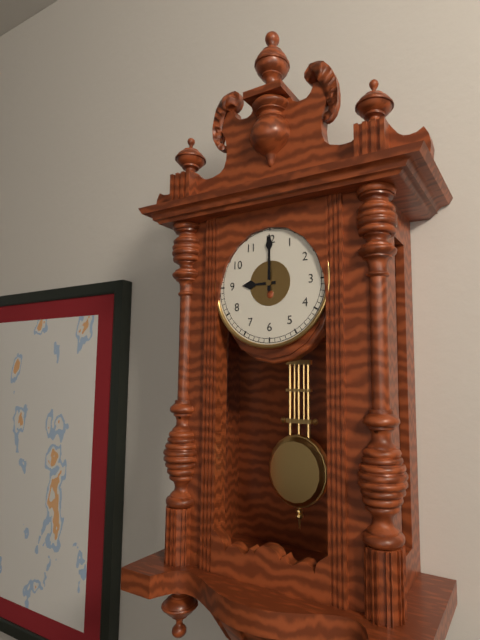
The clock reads 9h00
